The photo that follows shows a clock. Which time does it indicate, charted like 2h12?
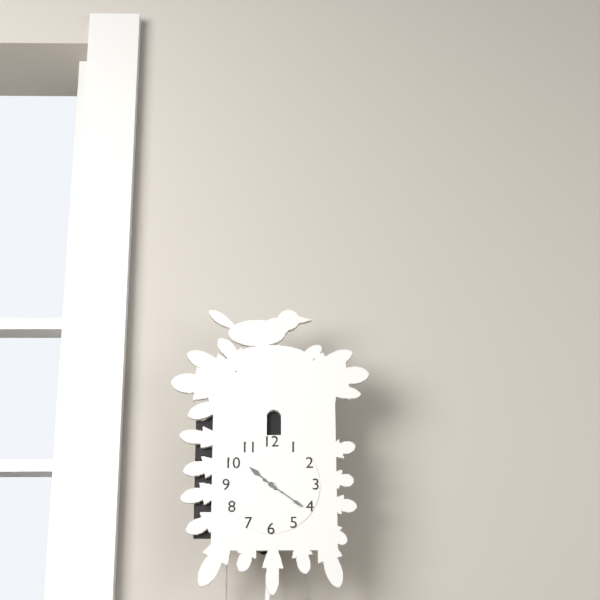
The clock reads 10h21
